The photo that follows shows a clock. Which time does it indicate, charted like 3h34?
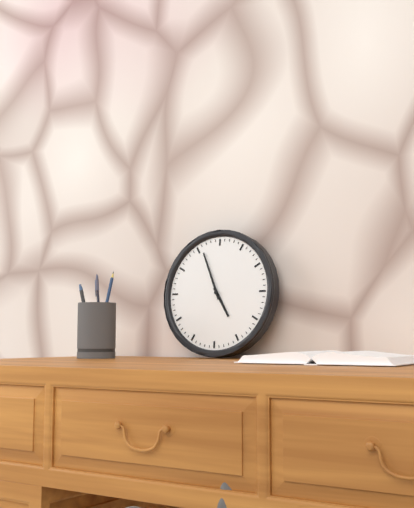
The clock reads 4h56
